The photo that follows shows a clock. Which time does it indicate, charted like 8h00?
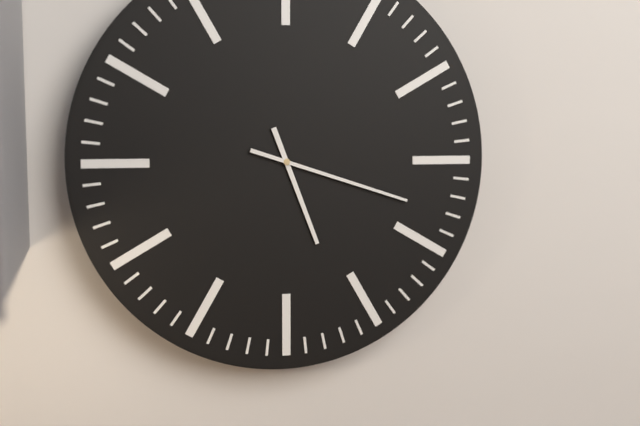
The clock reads 5h18
